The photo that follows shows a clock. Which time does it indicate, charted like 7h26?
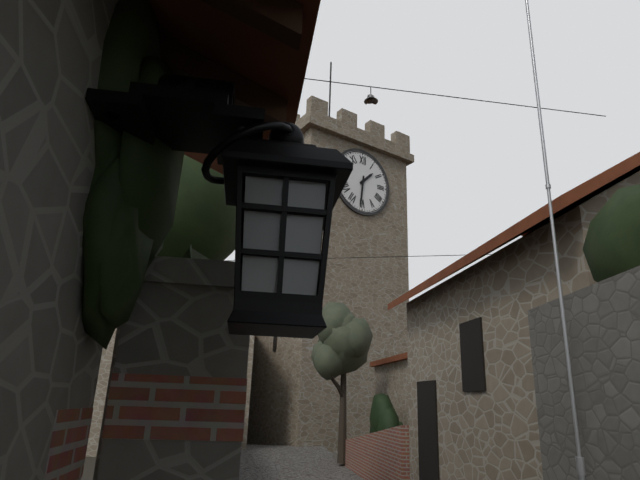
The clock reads 1h31
